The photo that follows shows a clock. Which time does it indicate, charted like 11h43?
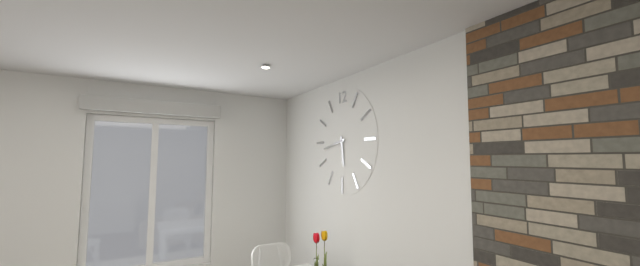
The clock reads 5h43
